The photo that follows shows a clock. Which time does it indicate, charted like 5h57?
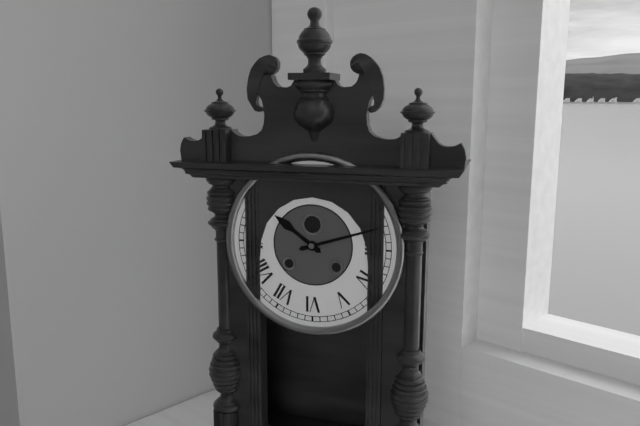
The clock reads 10h12
